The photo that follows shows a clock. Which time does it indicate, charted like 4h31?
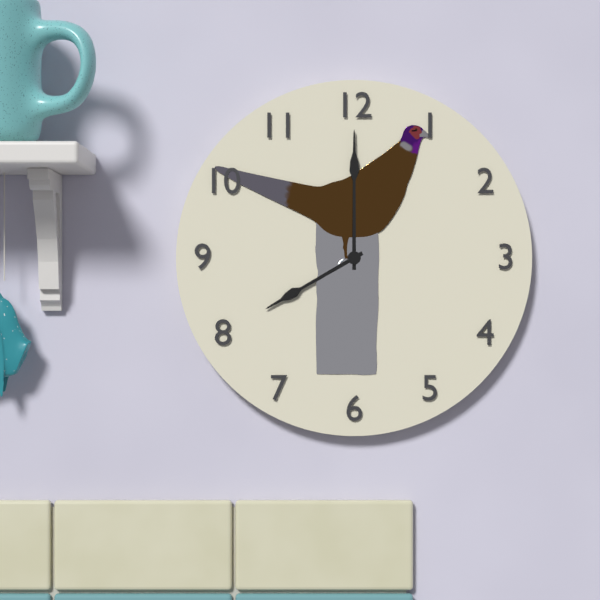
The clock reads 8h00
